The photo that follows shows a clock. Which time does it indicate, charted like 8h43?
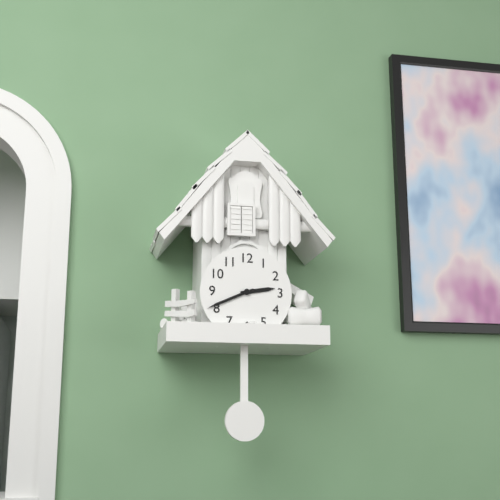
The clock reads 2h41
